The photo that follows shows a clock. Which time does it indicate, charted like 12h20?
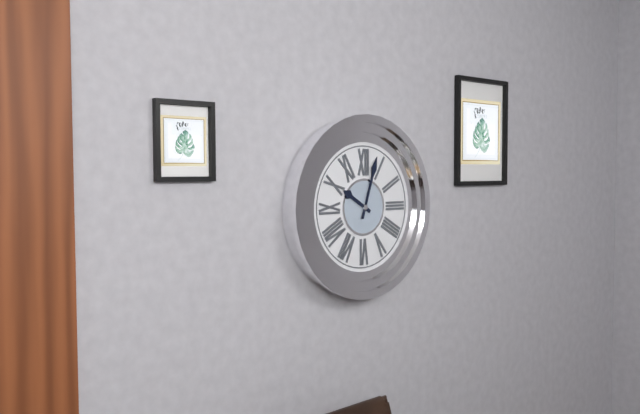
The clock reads 10h03
